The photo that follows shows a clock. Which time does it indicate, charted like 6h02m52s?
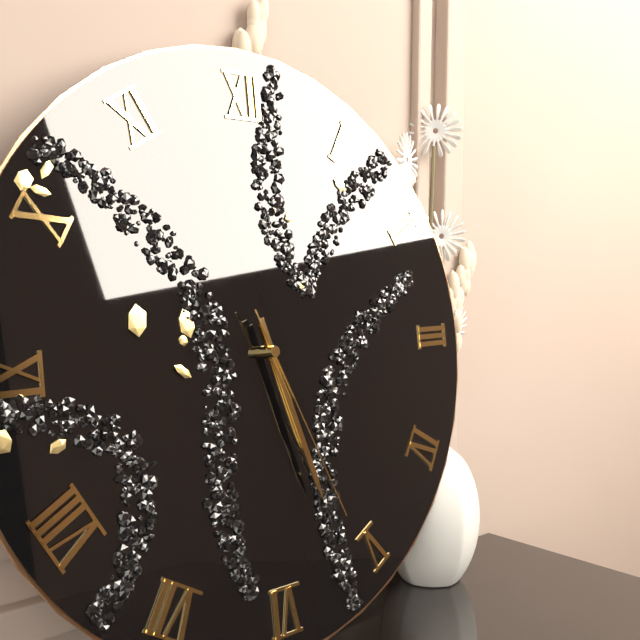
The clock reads 5h27m26s
